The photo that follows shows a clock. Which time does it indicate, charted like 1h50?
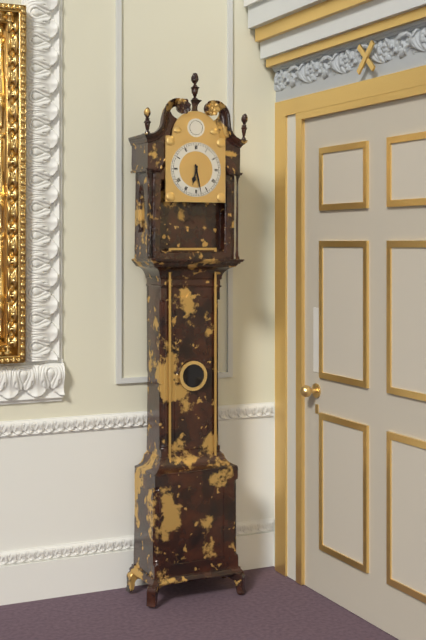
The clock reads 6h28
